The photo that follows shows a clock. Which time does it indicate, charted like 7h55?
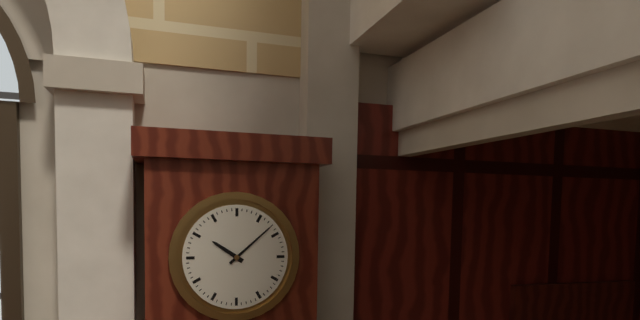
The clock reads 10h08
